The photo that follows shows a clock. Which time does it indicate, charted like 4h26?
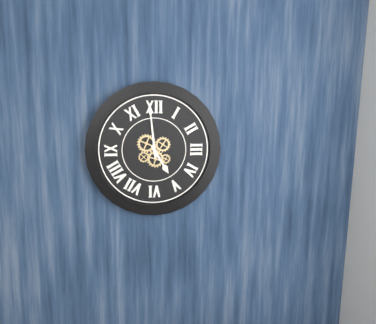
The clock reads 4h59
